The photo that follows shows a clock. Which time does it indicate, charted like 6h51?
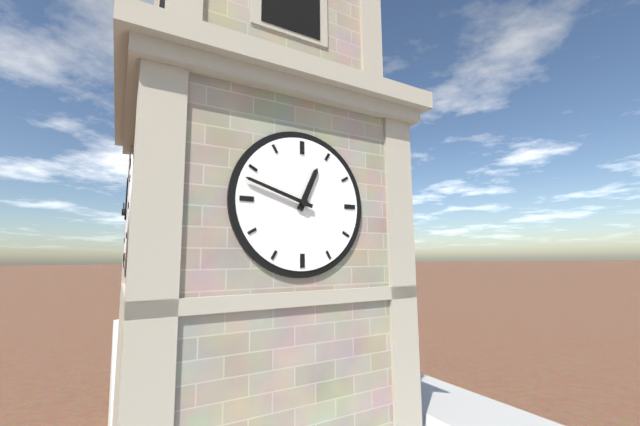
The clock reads 12h48
